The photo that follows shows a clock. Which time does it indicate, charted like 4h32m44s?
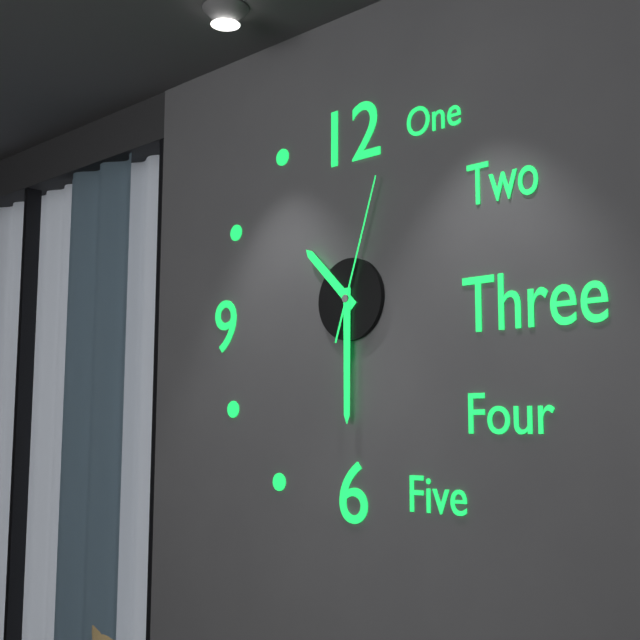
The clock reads 10h30m03s
